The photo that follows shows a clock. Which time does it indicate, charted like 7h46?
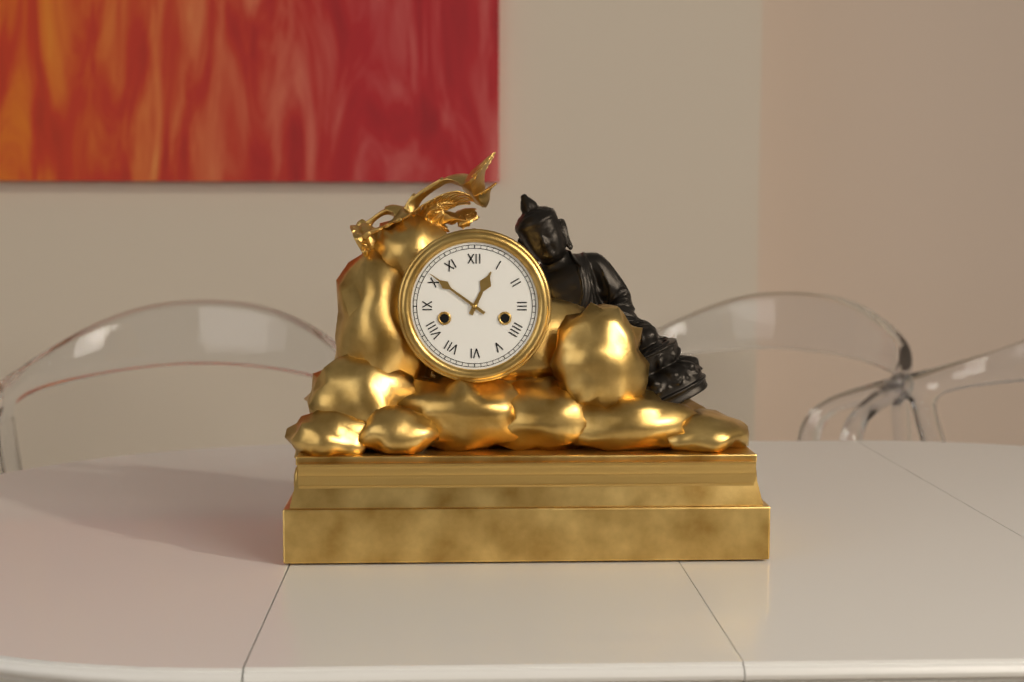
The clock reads 12h51
